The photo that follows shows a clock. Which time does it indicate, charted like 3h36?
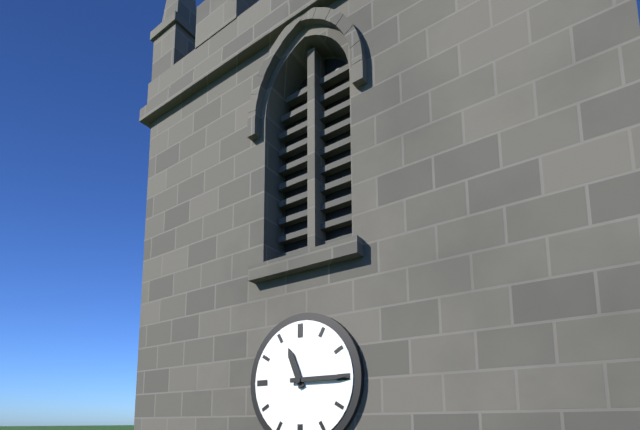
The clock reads 11h15
